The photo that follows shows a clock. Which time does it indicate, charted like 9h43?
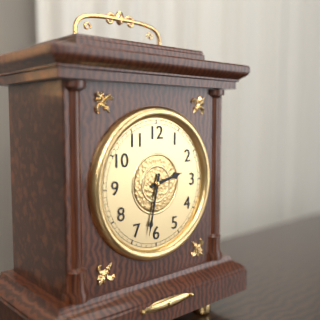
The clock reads 2h32
